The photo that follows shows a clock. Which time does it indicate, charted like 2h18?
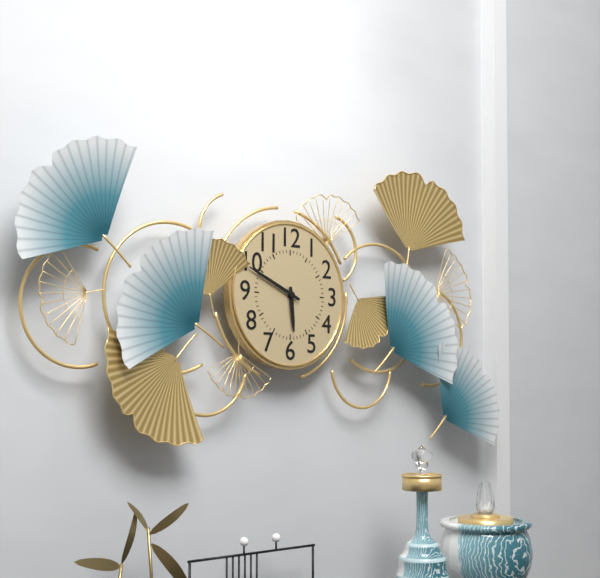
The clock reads 5h49
